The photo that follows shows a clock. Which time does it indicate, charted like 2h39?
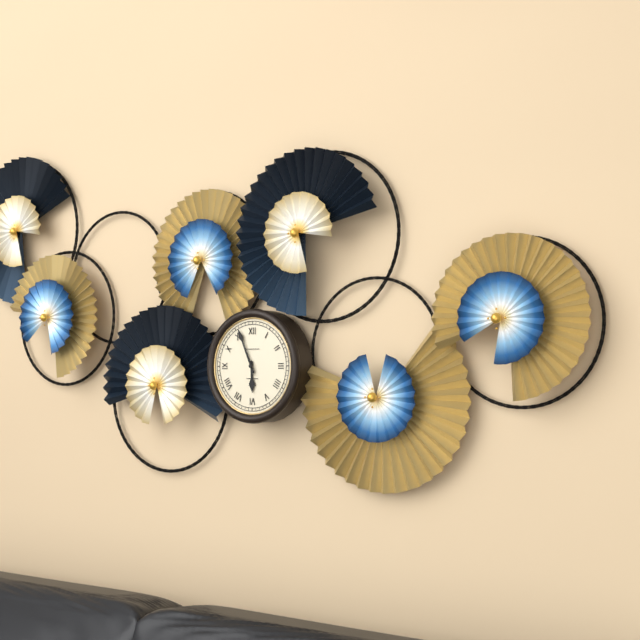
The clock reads 5h56
